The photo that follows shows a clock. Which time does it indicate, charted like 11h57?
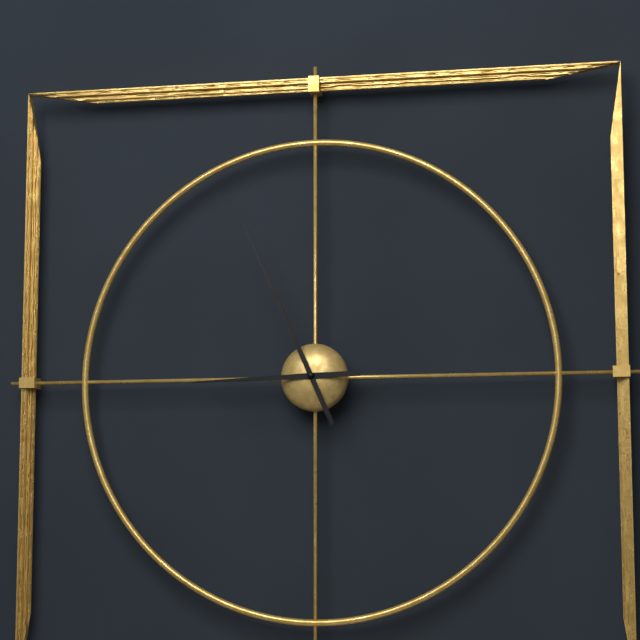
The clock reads 8h56
